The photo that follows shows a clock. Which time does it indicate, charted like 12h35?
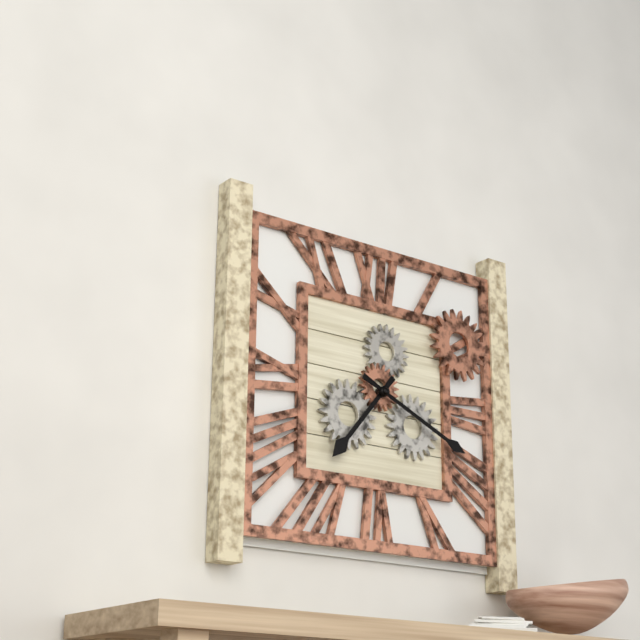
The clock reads 7h19
